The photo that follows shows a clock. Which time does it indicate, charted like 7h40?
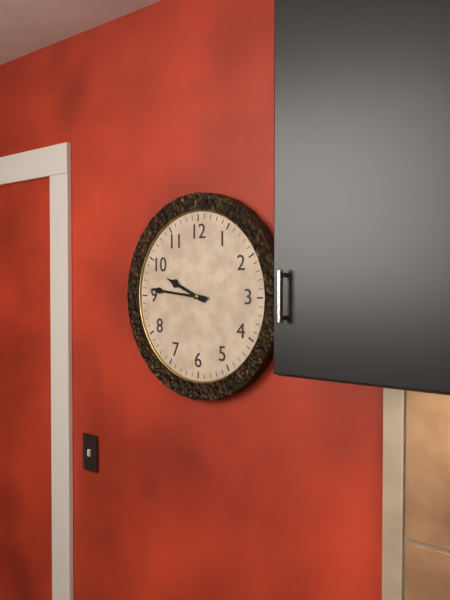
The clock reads 9h46
